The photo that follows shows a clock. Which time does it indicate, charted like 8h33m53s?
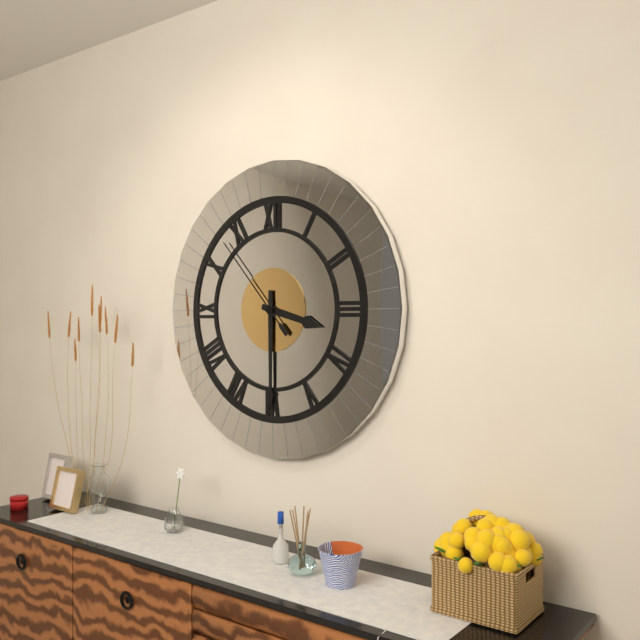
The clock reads 3h30m53s
